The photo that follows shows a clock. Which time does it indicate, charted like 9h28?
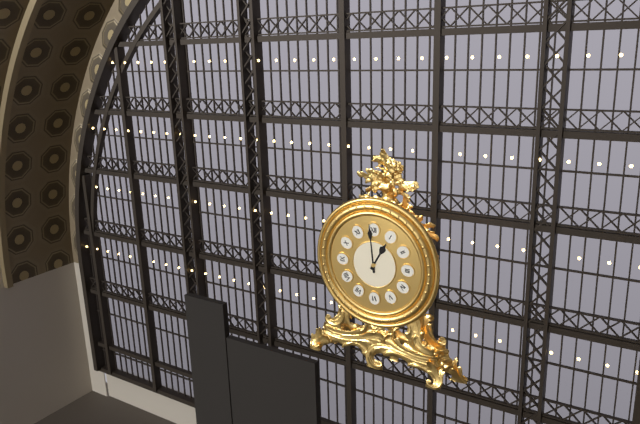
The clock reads 12h59
